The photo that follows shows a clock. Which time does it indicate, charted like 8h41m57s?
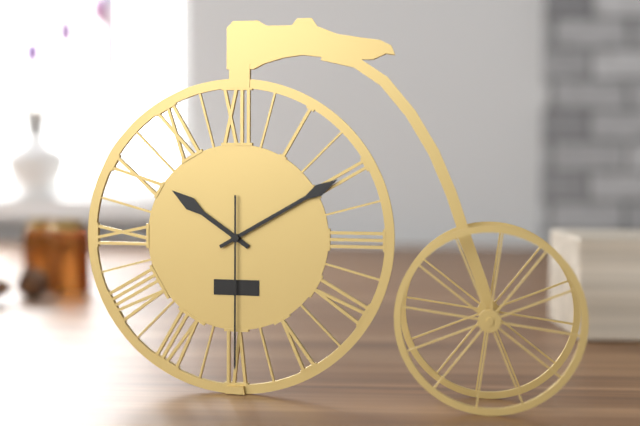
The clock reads 10h10m30s
